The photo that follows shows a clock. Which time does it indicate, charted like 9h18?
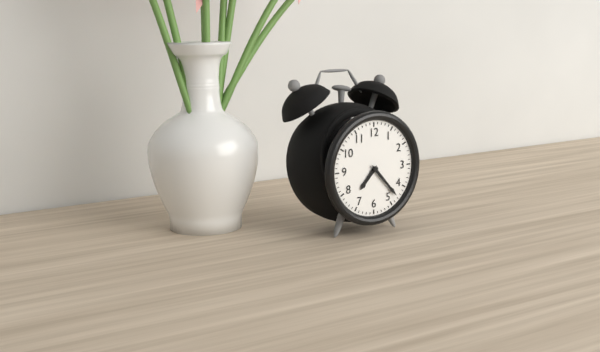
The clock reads 7h23
